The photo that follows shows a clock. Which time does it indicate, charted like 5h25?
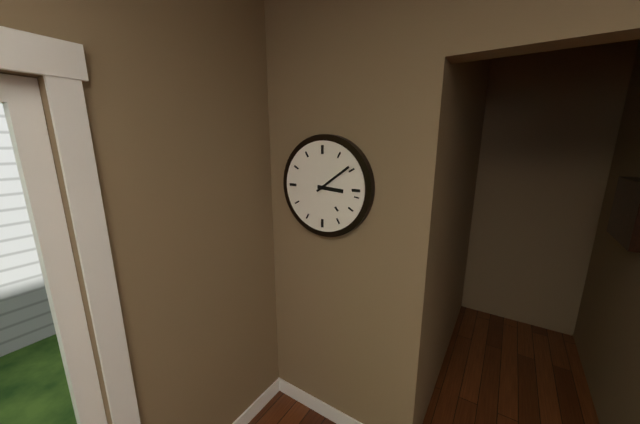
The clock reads 3h09
